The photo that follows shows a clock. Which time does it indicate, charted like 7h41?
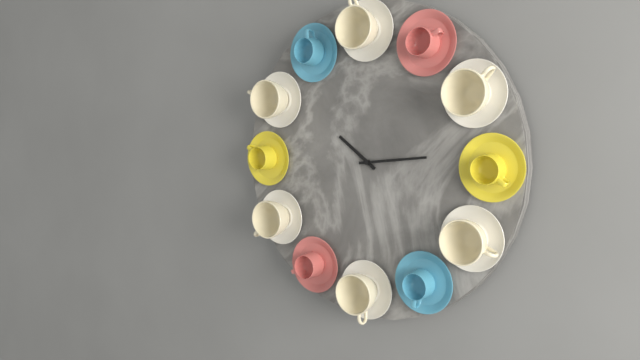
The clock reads 10h14
